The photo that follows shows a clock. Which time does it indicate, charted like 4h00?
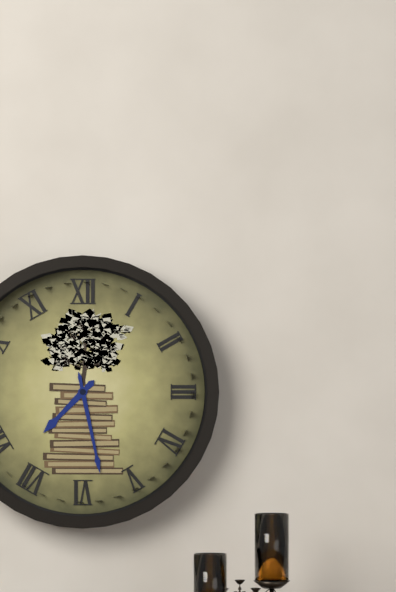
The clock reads 7h28
